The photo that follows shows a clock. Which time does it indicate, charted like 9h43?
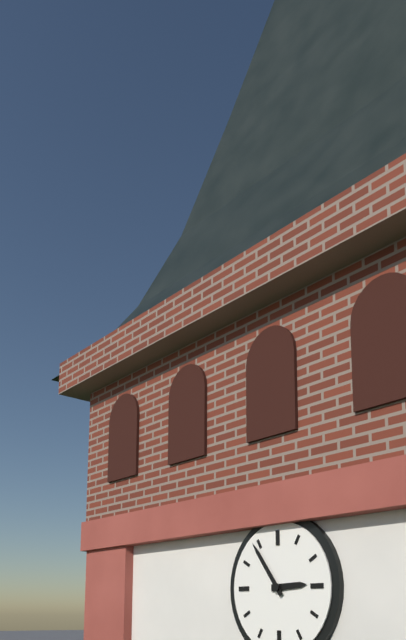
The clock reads 2h54
